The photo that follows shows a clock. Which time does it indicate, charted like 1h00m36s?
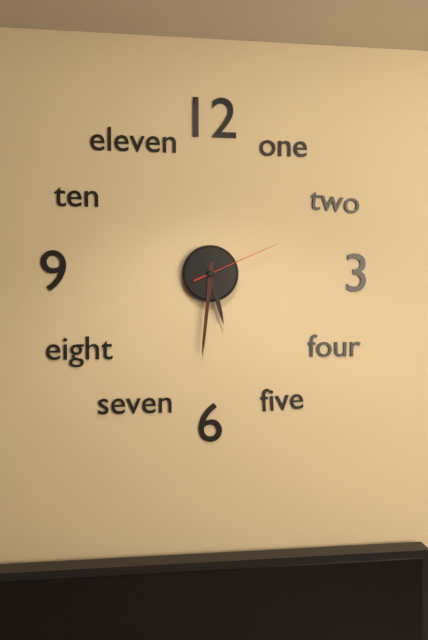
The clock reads 5h31m11s
